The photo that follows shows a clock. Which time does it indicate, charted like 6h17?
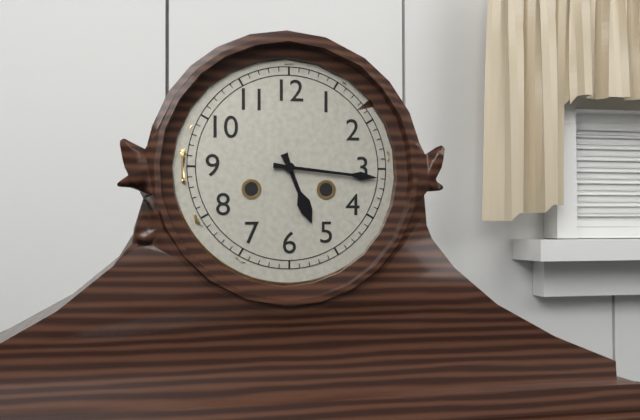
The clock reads 5h16
